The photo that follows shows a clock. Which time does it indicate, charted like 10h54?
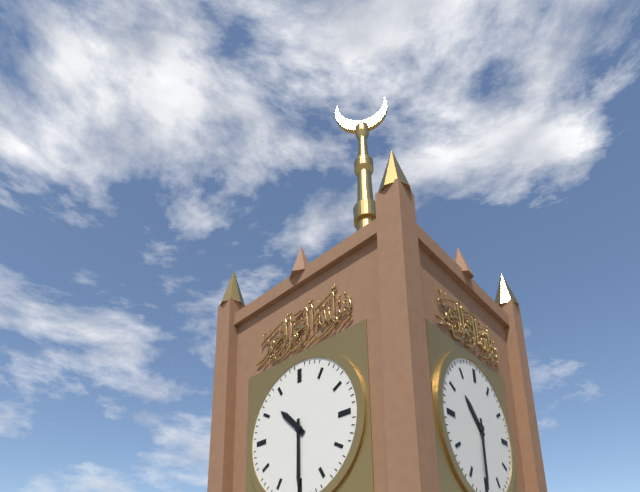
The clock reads 10h30
